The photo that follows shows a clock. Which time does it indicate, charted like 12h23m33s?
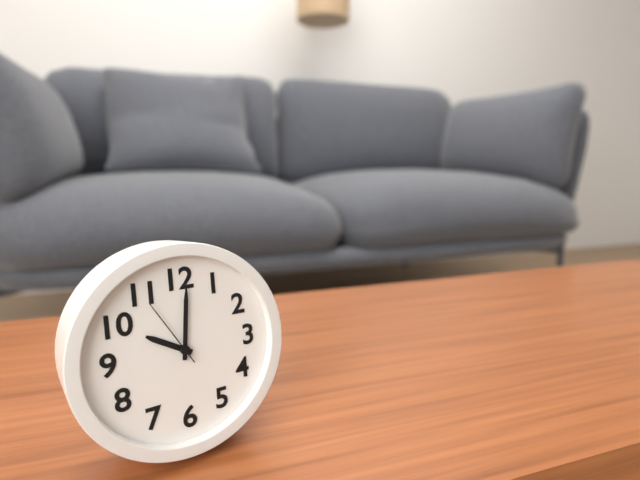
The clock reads 10h01m55s
